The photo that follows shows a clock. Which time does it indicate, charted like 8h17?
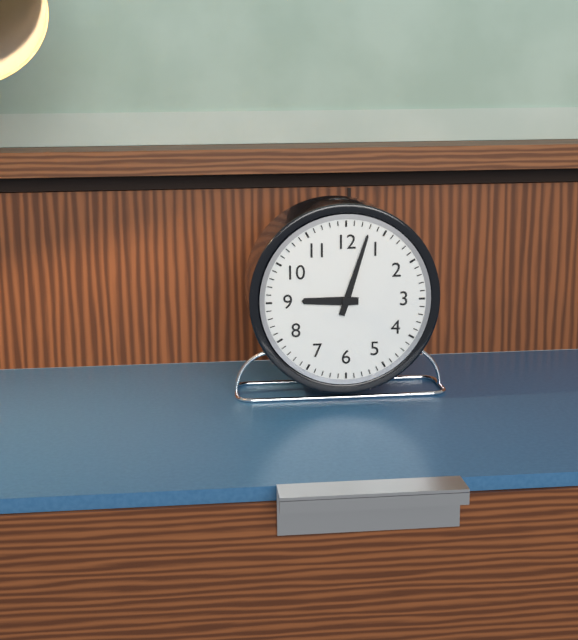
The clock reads 9h03
